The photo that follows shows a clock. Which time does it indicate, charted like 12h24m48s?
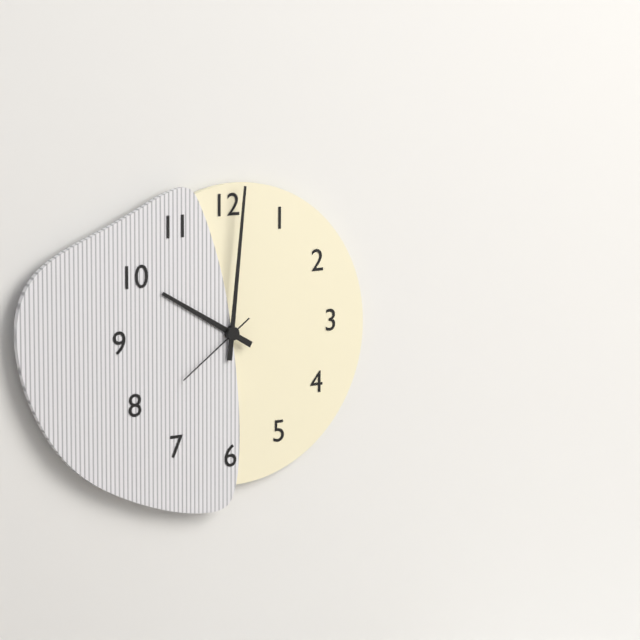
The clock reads 10h01m39s
